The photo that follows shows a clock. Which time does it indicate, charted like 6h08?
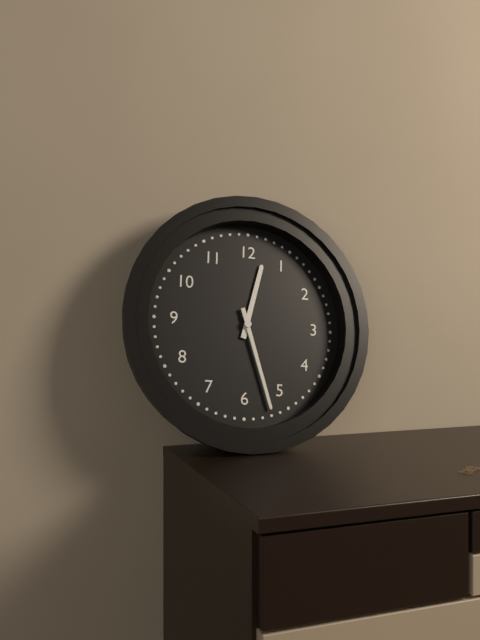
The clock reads 12h27
